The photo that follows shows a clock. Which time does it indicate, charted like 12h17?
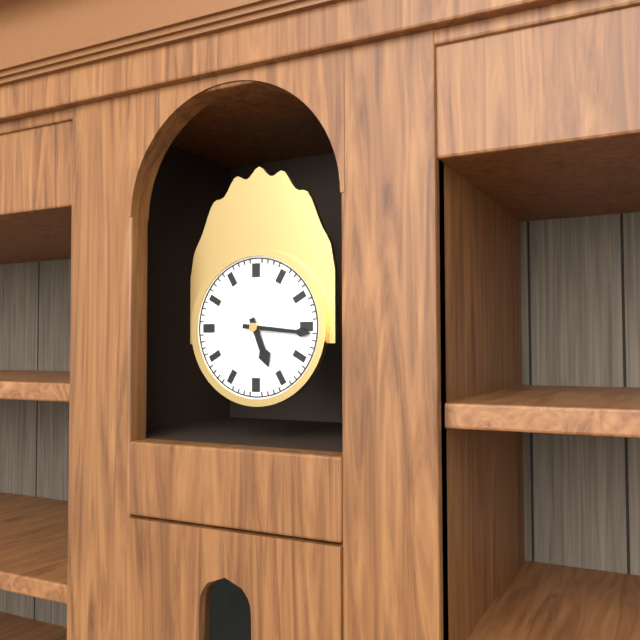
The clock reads 5h16
